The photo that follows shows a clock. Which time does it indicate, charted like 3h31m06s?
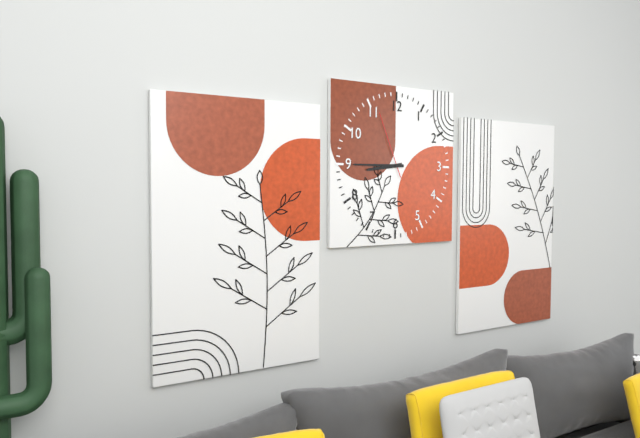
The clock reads 8h45m56s
